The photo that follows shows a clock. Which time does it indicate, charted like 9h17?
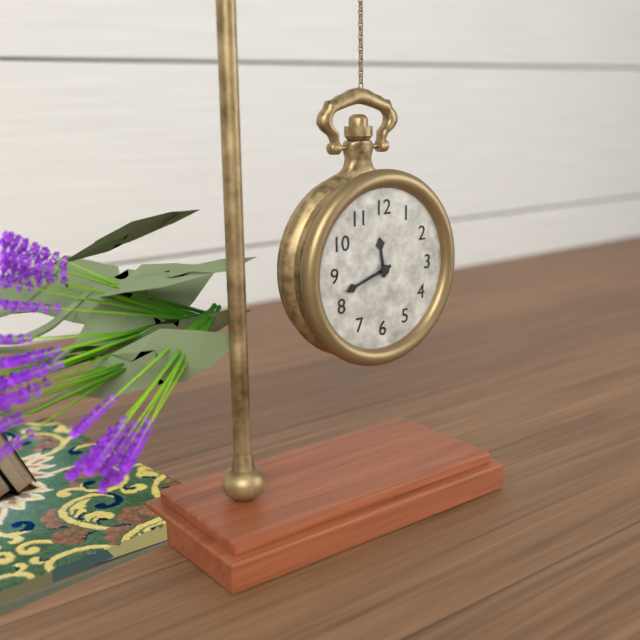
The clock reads 11h42
